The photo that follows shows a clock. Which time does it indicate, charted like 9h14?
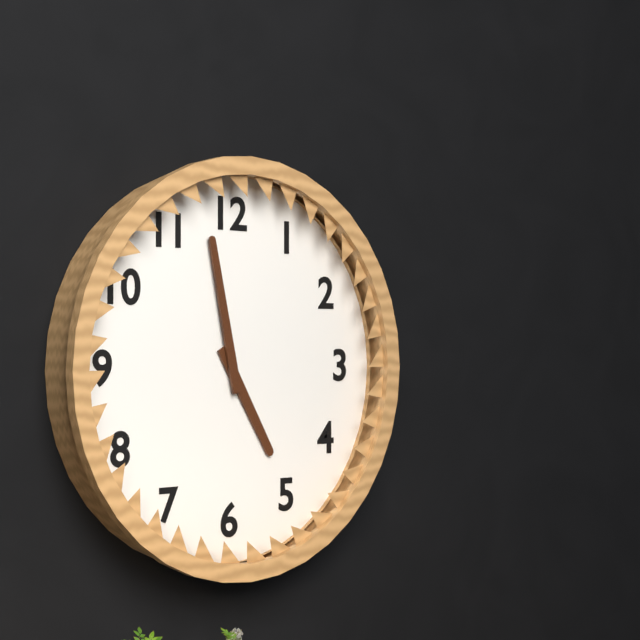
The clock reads 4h58
